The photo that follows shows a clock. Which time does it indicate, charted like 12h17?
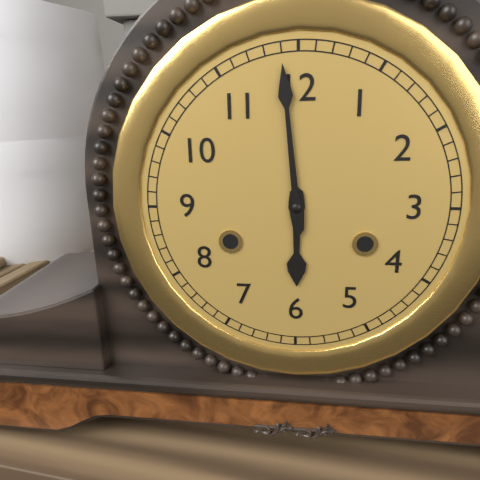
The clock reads 5h59
